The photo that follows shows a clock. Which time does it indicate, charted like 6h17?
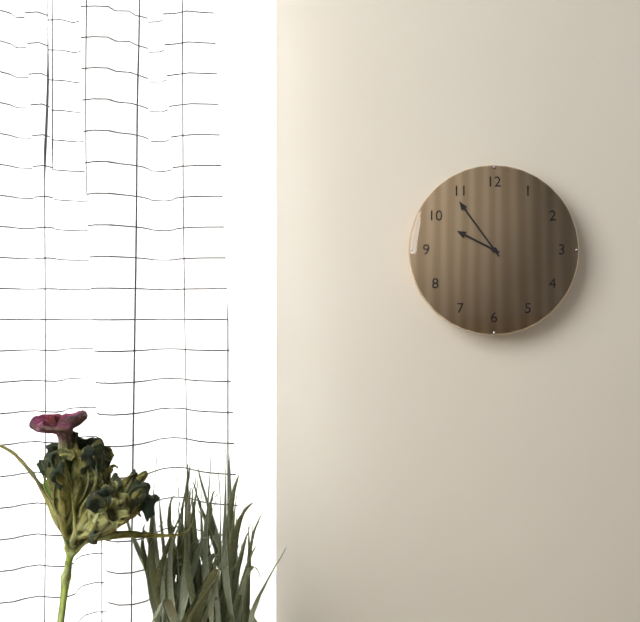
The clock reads 9h54
